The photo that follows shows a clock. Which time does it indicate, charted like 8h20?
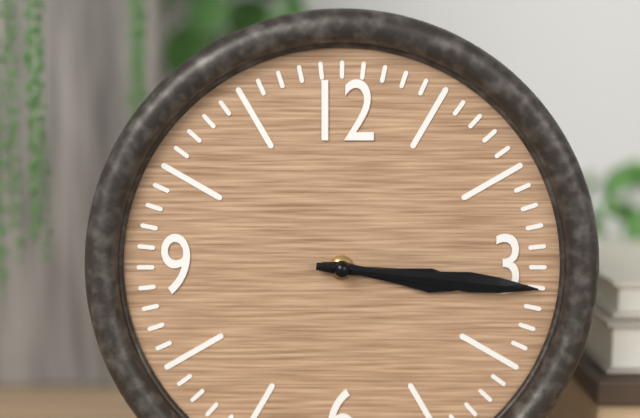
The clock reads 3h16
